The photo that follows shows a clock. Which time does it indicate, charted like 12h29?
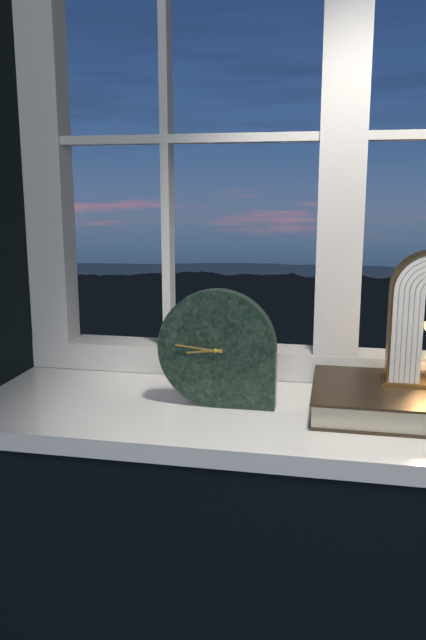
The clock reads 8h46
